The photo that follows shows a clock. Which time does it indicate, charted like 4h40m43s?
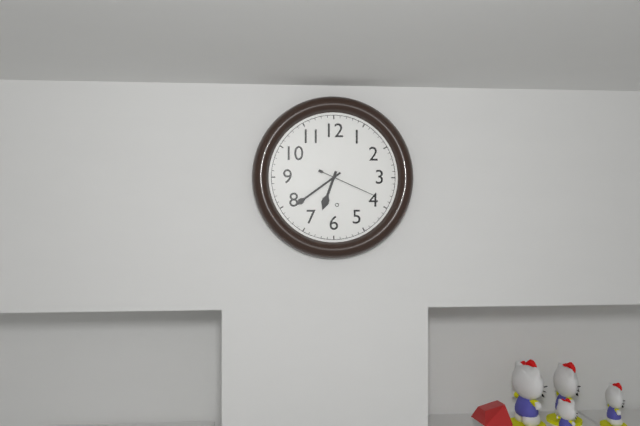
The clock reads 6h39m19s
